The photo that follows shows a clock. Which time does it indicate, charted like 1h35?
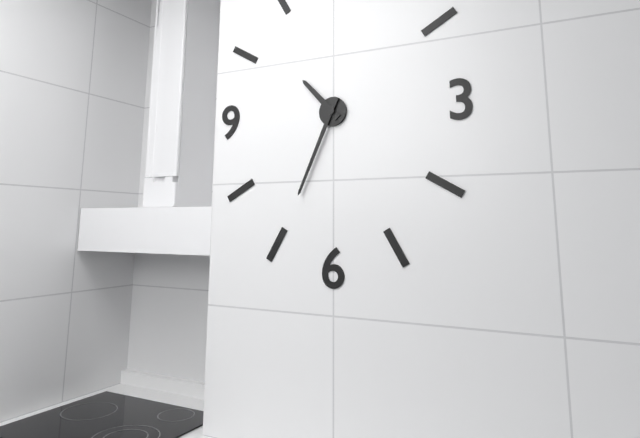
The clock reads 10h34
